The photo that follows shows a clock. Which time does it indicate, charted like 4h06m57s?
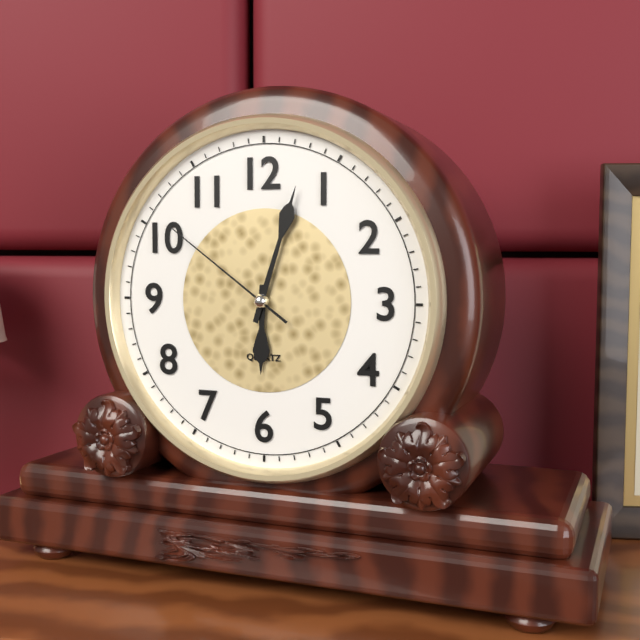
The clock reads 6h03m51s
